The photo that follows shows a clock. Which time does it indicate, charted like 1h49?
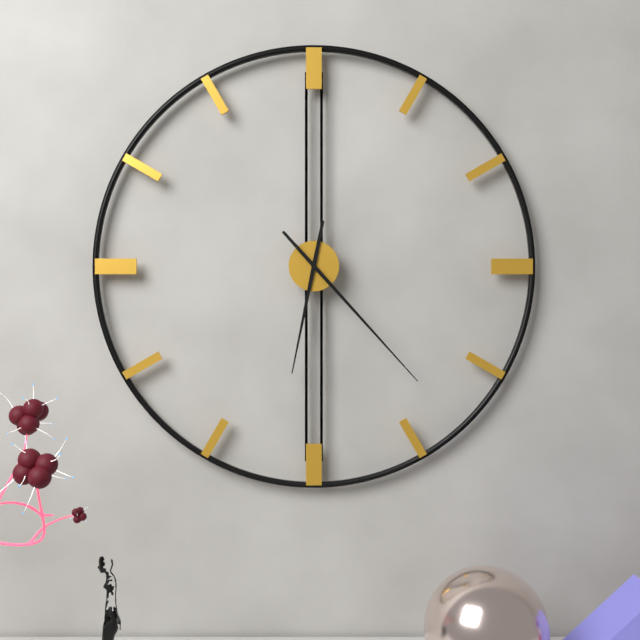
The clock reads 6h23
